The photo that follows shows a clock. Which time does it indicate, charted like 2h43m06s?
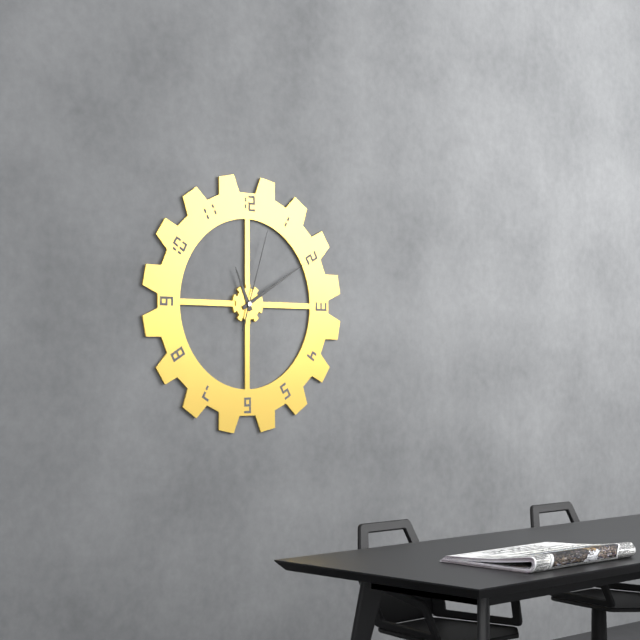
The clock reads 11h10m03s
